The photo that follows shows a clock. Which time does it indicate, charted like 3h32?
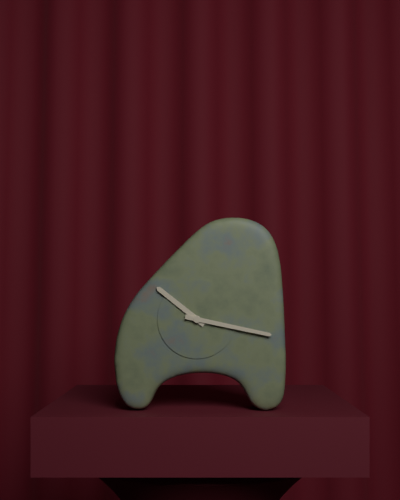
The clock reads 10h17
